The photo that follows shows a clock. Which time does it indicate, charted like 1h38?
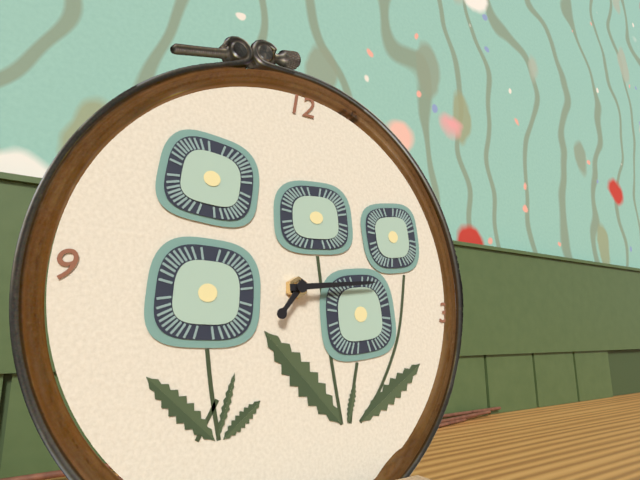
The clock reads 7h14
